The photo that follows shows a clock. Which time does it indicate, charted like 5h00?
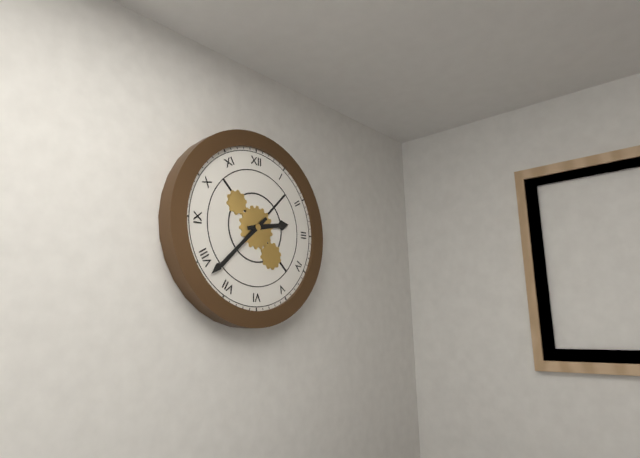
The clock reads 2h38
